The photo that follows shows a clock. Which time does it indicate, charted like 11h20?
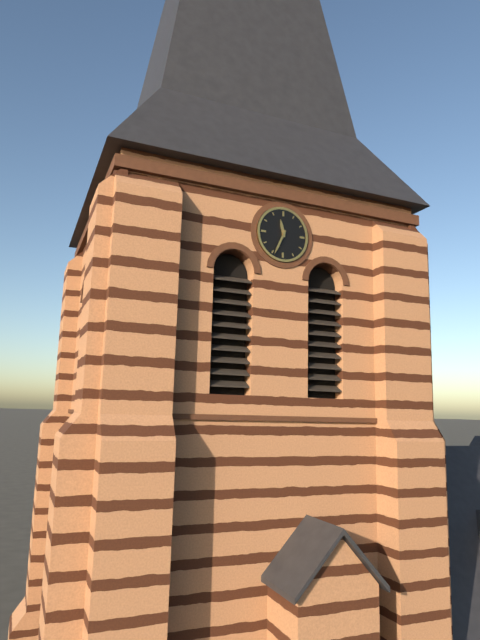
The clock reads 11h34
